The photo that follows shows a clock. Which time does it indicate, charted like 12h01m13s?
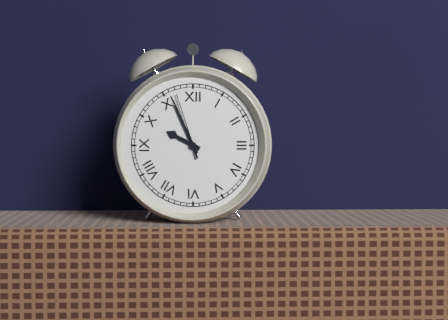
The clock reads 9h56m57s
